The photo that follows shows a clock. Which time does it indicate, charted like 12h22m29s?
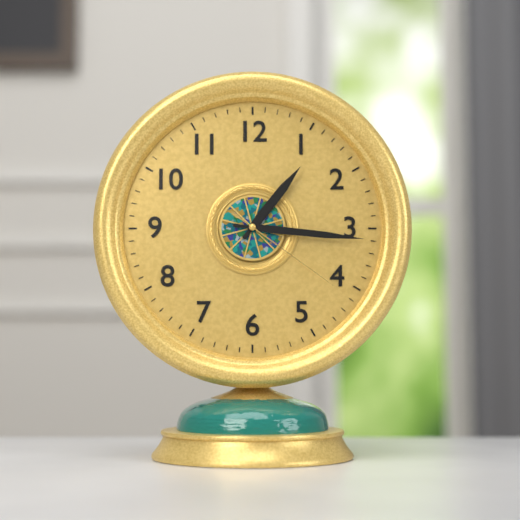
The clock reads 1h16m21s
